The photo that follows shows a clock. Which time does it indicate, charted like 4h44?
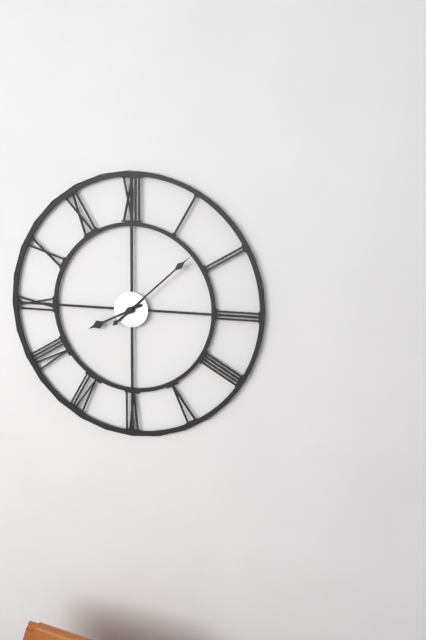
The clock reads 8h08
